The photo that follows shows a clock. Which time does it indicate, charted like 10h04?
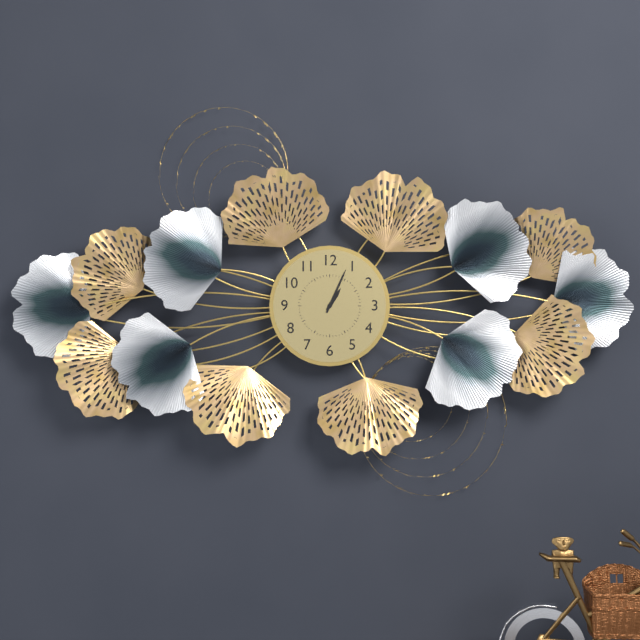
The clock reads 1h04
